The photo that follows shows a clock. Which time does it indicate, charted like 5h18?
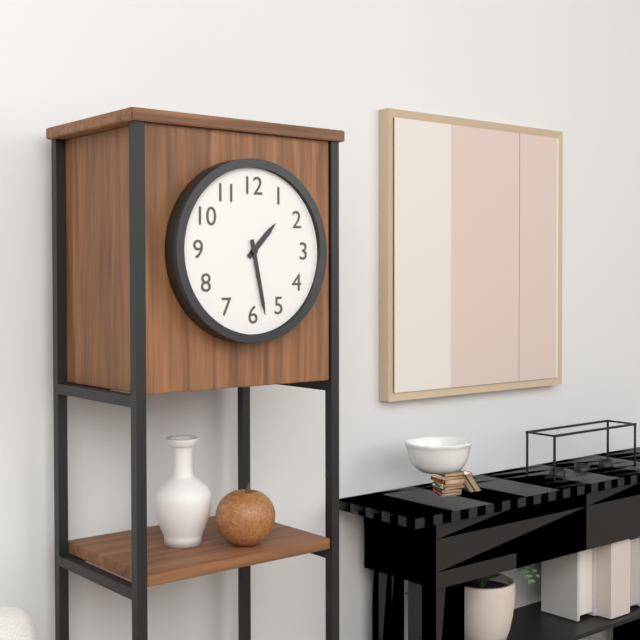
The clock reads 1h28
